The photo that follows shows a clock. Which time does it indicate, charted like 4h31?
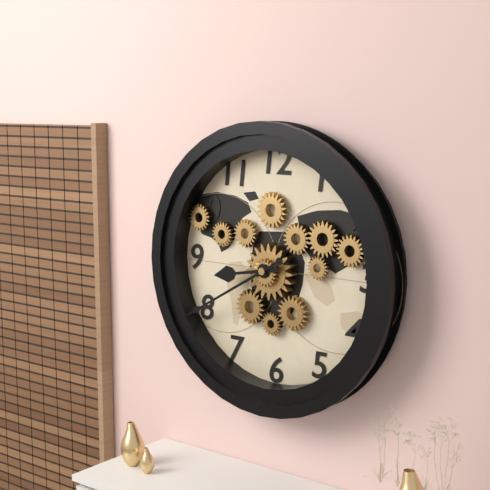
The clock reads 8h40
